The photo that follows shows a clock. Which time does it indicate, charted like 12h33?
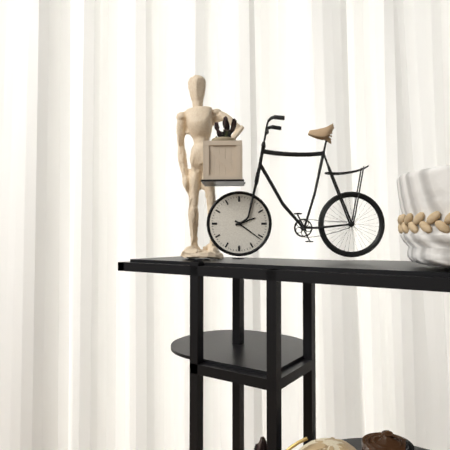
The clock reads 2h21
